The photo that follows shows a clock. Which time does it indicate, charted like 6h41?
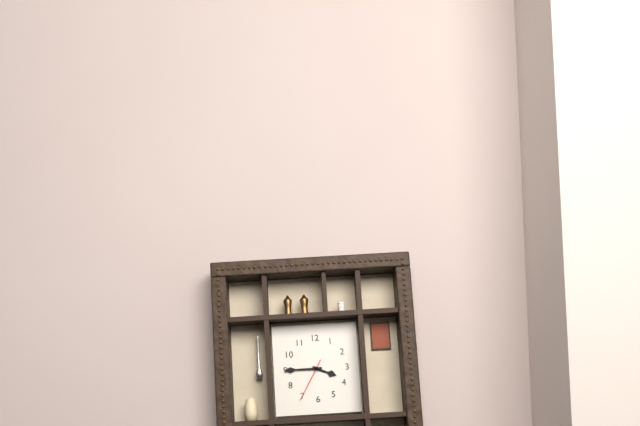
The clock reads 3h45
